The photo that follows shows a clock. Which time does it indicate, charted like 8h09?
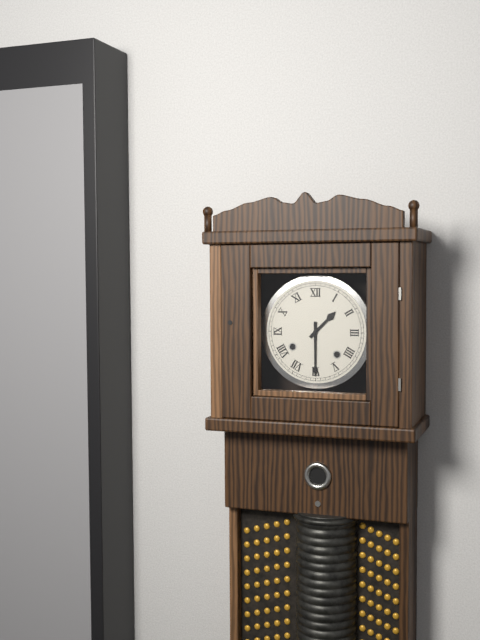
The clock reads 1h30
